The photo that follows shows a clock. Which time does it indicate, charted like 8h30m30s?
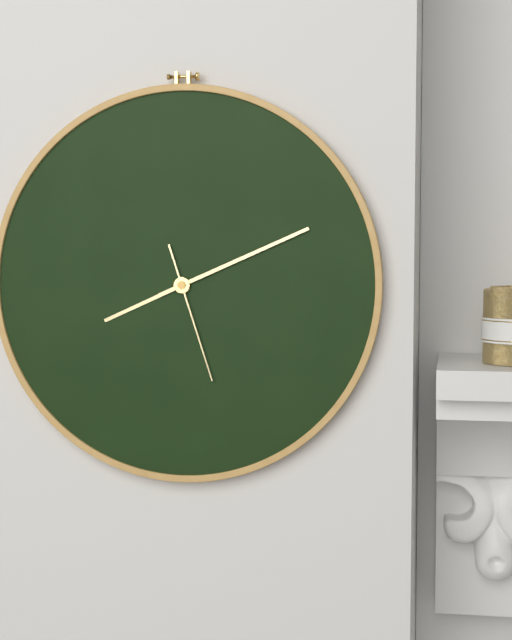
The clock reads 8h11m27s
